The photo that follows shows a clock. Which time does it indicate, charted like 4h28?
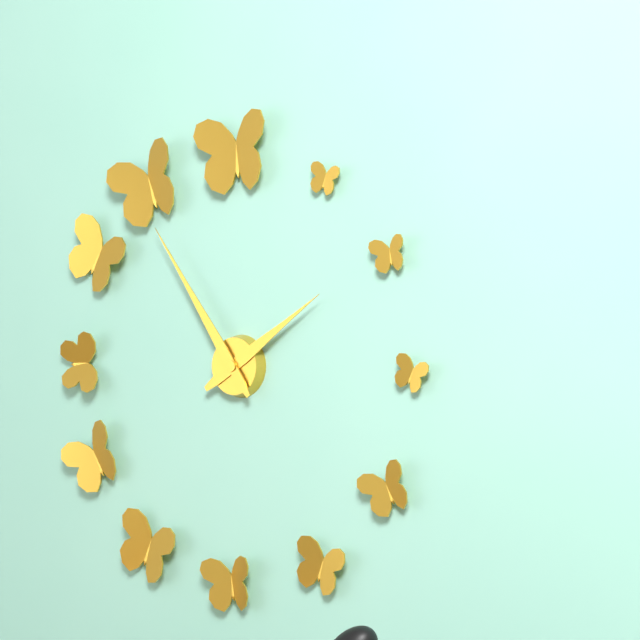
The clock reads 1h54
